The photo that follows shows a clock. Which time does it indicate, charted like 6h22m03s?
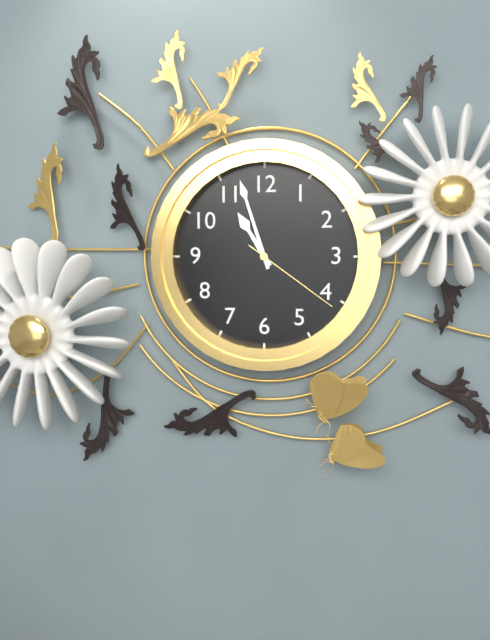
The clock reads 10h57m21s
